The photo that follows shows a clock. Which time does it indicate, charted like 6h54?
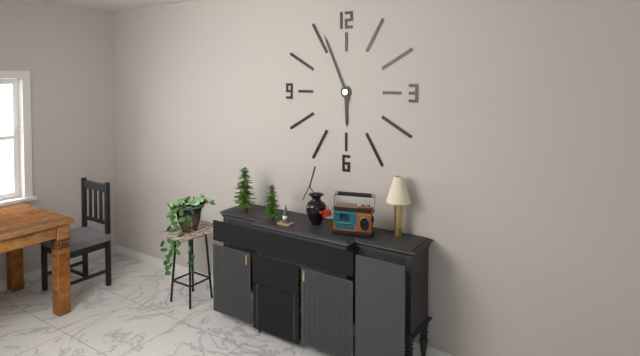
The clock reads 5h56
